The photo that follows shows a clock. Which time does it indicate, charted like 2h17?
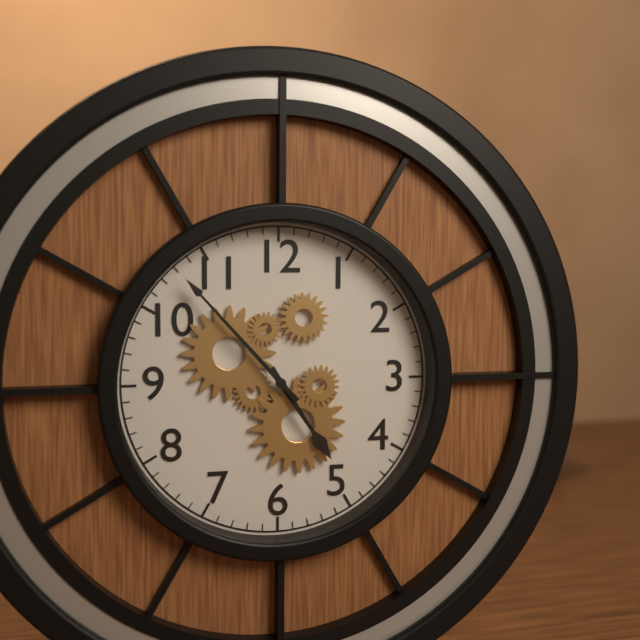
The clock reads 4h53
